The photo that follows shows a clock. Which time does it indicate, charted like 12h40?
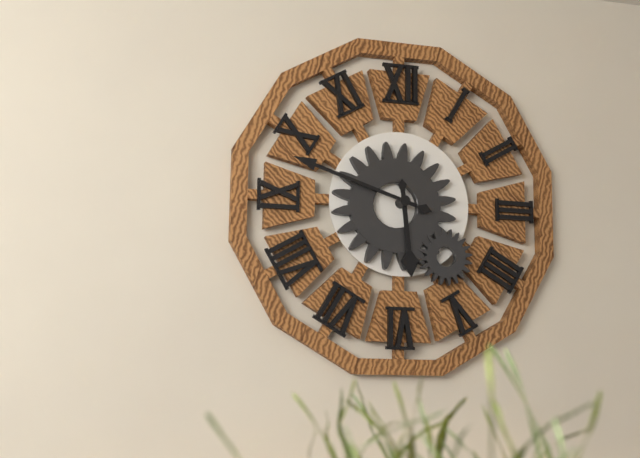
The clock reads 5h48
